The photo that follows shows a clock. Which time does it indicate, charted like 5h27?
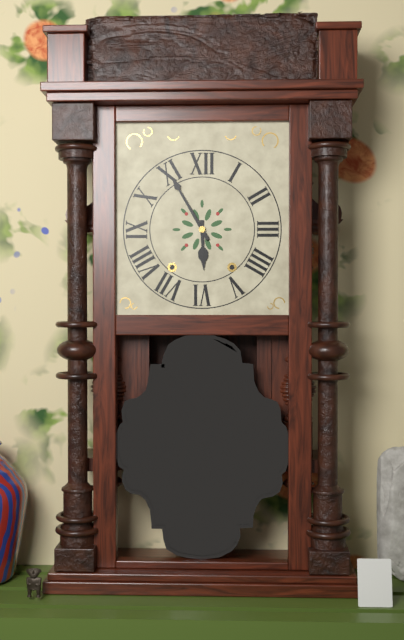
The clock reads 5h55
